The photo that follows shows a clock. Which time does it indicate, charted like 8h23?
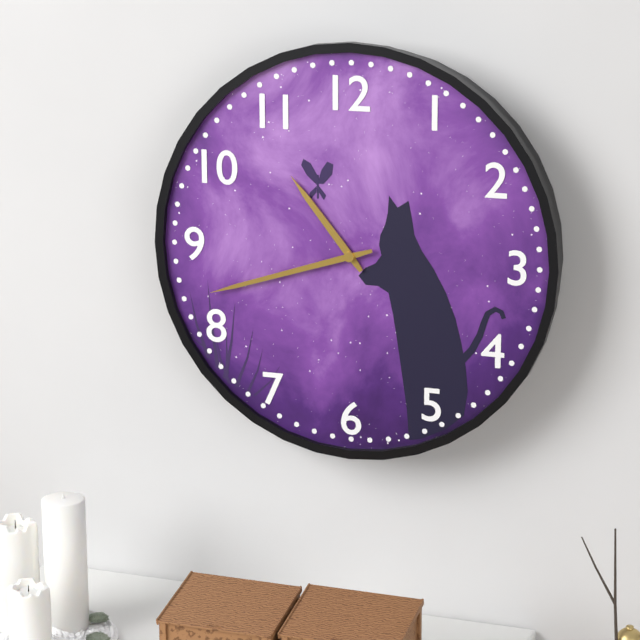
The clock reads 10h42
